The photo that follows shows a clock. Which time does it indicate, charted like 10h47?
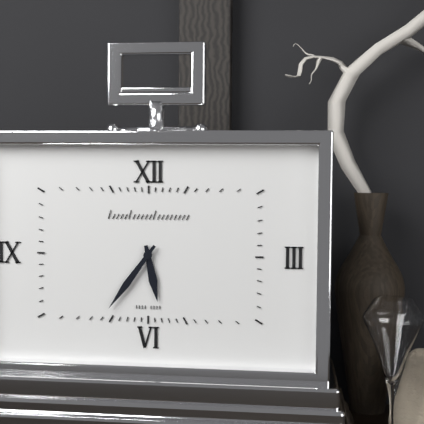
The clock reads 5h36
